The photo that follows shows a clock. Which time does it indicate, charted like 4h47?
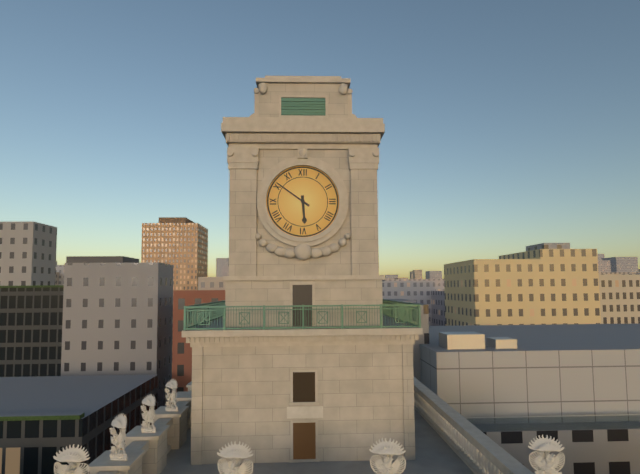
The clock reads 5h51
